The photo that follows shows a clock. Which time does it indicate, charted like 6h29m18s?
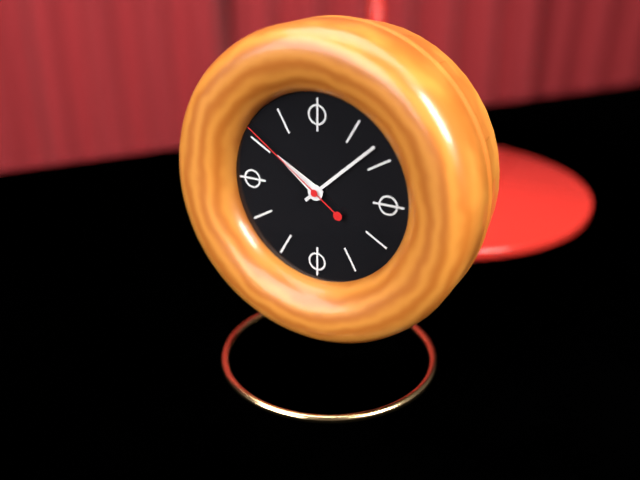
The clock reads 10h08m51s
